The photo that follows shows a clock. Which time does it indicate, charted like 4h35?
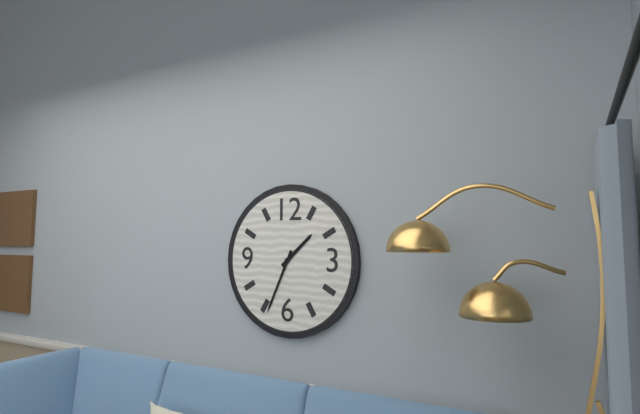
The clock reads 1h34
